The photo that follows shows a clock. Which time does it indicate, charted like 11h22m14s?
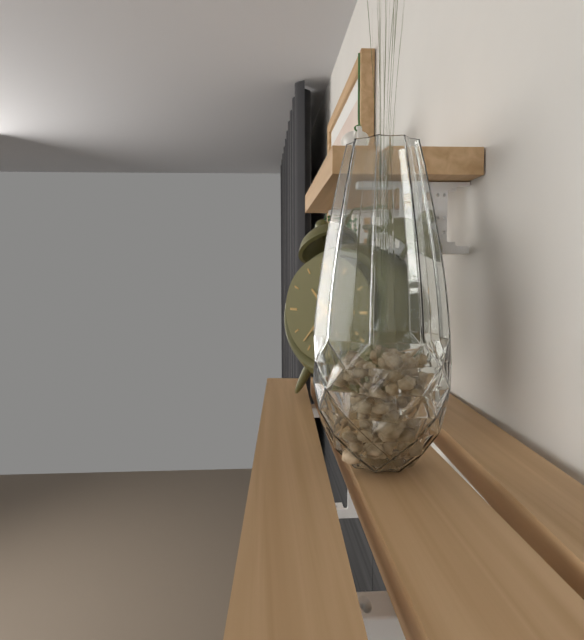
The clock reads 10h37m28s
